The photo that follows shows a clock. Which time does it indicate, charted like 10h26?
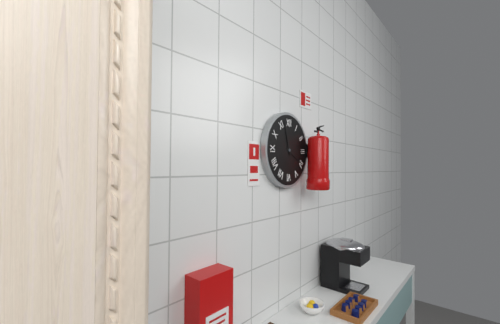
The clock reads 3h57
